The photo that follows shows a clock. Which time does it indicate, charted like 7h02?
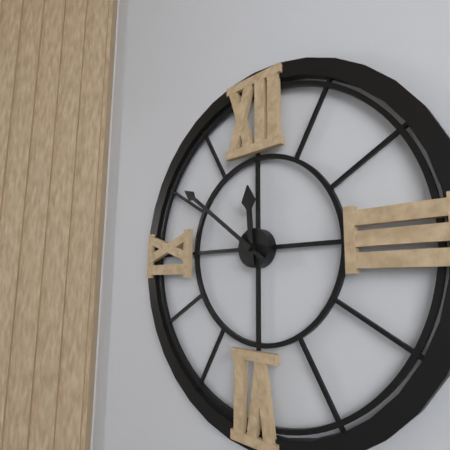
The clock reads 11h51
